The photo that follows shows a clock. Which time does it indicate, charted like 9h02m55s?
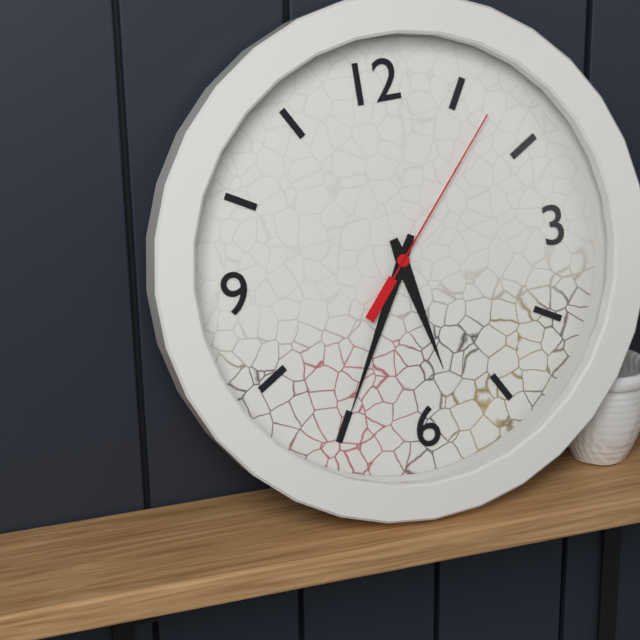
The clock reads 5h35m07s
